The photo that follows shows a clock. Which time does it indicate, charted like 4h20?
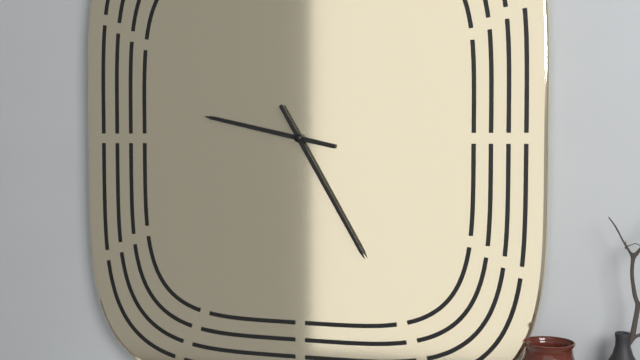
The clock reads 9h25
